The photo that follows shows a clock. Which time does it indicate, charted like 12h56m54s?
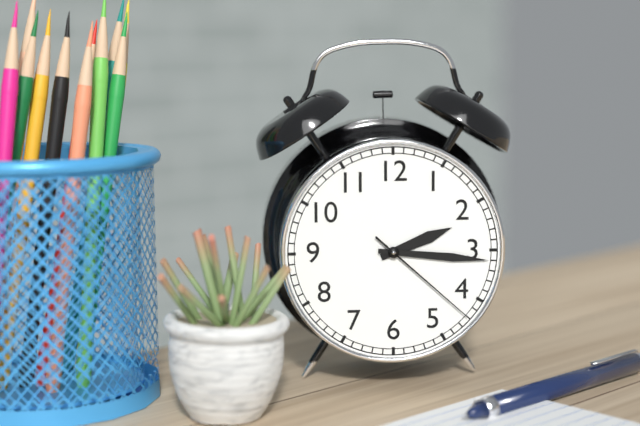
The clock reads 2h16m22s
